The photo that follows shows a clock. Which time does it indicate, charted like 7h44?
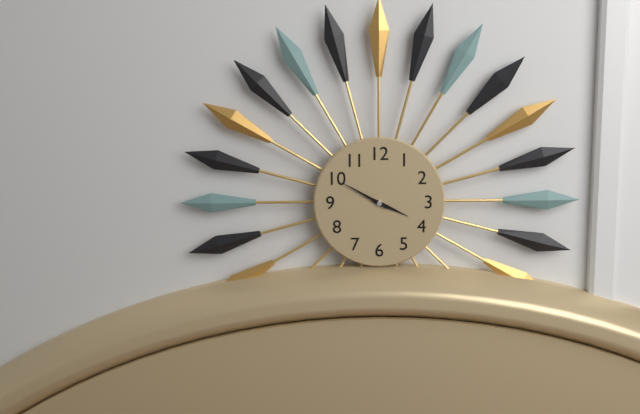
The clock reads 3h50
